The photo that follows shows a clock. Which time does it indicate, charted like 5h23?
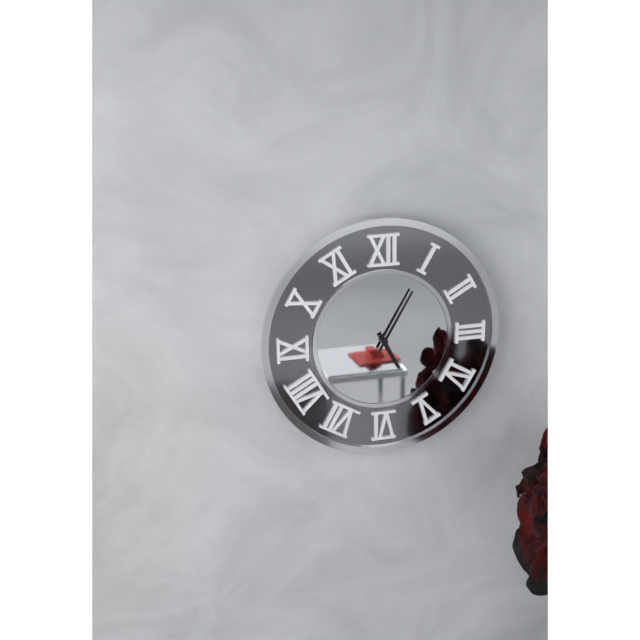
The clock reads 5h05
